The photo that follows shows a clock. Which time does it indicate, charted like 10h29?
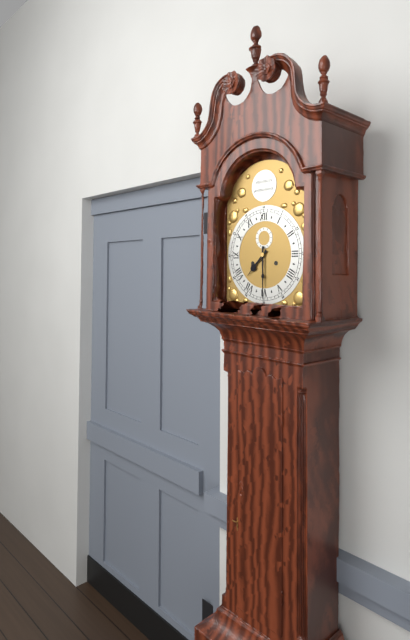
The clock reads 7h30
